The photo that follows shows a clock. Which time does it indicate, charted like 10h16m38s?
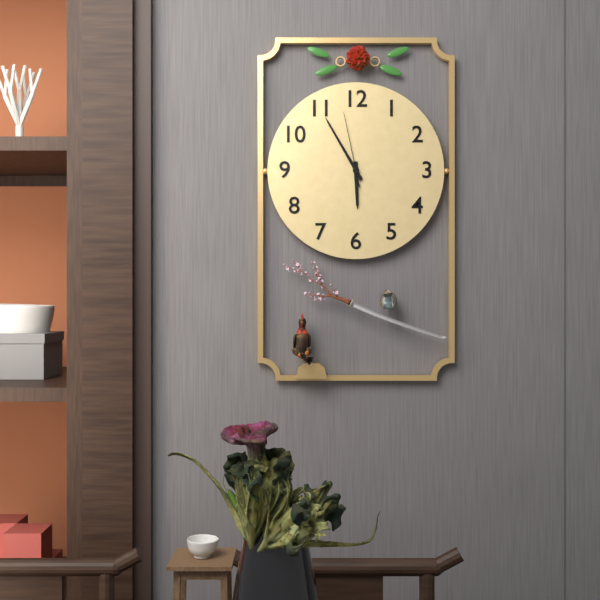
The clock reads 5h55m58s
